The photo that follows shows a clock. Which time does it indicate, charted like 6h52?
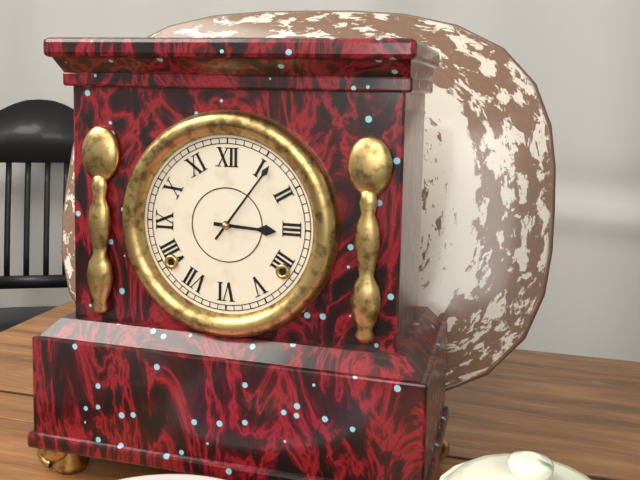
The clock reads 3h06
